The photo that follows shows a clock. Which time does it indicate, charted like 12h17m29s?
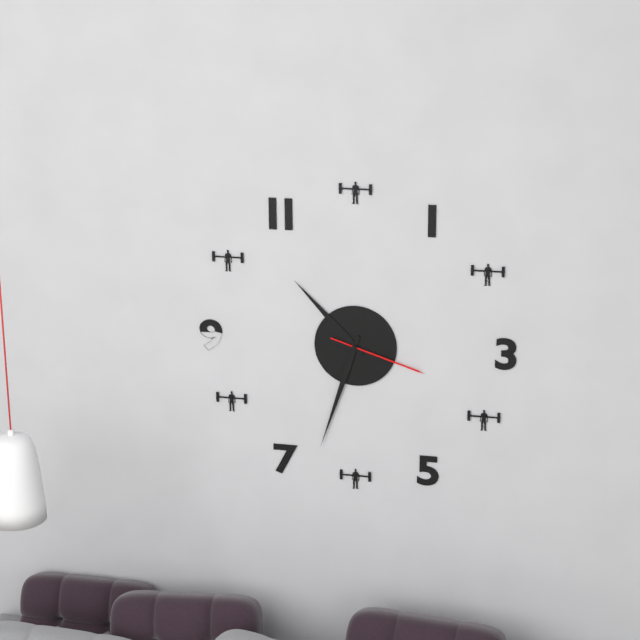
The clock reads 10h33m18s
